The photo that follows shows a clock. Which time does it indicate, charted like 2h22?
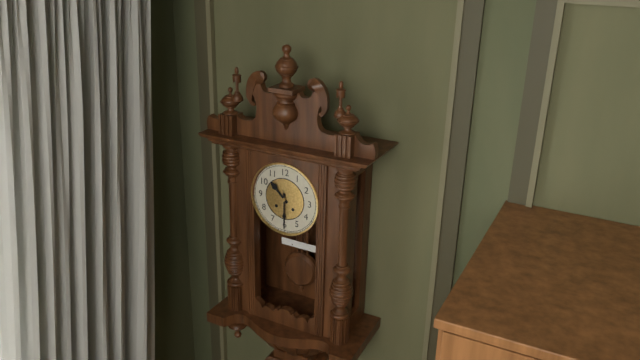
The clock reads 10h30
